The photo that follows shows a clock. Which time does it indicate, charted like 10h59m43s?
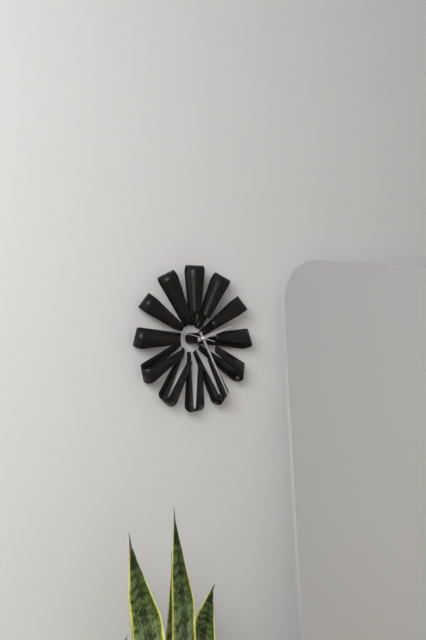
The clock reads 2h25m47s
